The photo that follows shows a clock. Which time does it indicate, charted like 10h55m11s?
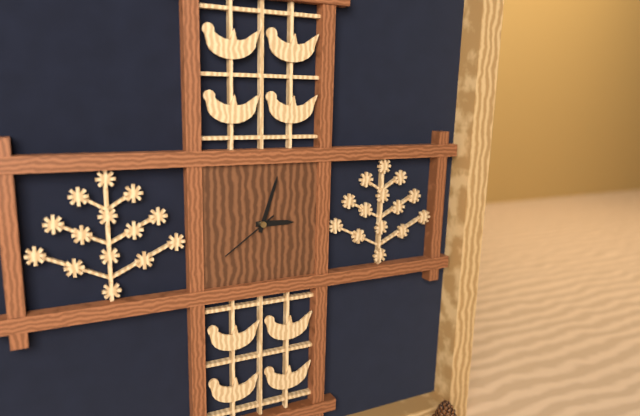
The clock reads 3h03m39s
